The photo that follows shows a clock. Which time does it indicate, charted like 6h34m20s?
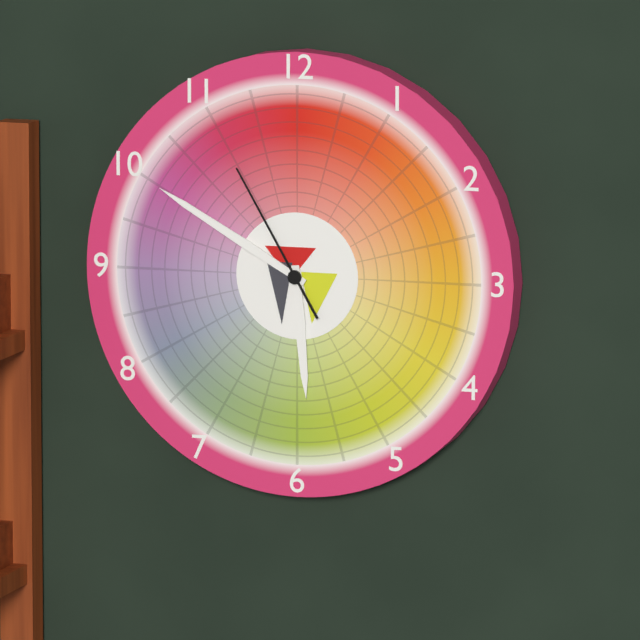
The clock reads 5h50m55s
